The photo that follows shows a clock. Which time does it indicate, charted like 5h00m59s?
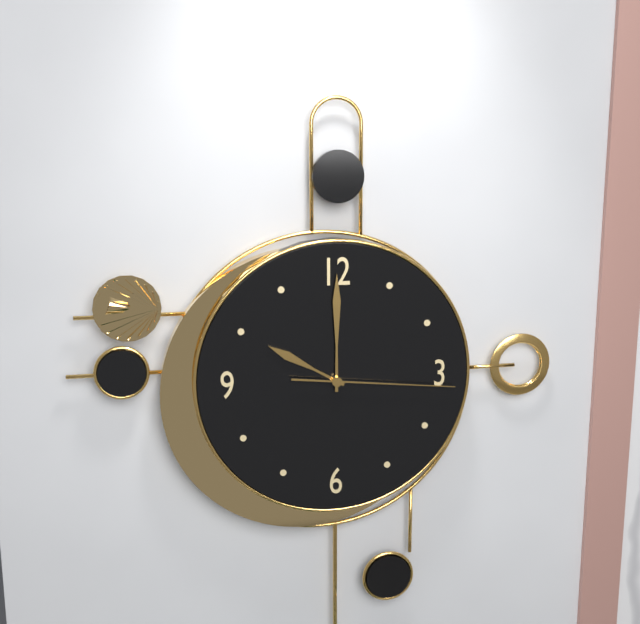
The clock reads 10h00m16s
